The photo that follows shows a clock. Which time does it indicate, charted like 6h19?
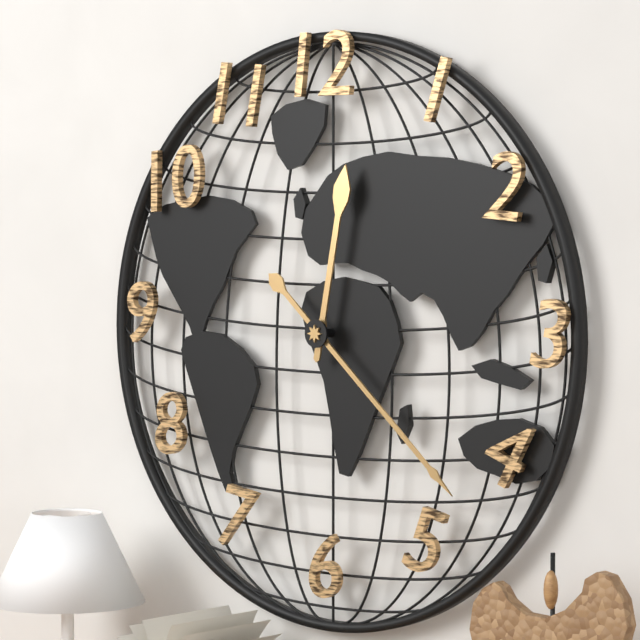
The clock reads 12h22
